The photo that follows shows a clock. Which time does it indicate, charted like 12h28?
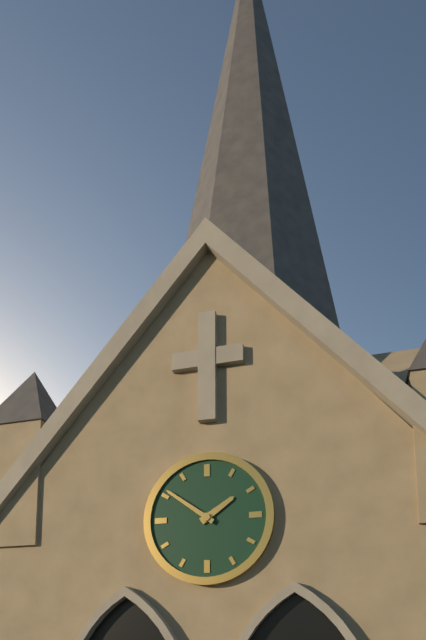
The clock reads 1h51
